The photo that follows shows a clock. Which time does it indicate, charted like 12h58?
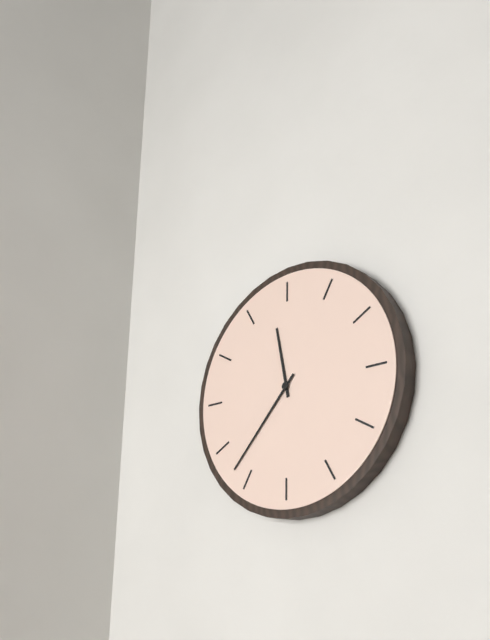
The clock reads 11h37
